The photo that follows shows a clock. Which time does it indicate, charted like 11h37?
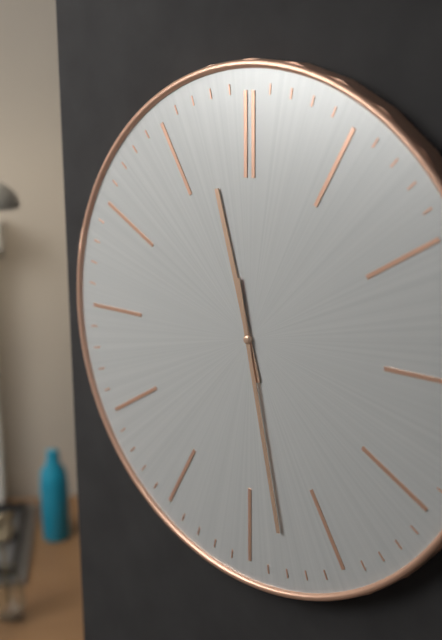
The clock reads 11h28
